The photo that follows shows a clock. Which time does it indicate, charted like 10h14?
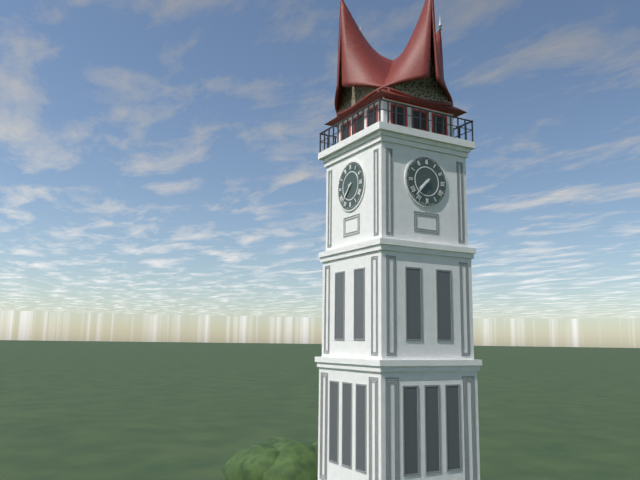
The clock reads 7h37
